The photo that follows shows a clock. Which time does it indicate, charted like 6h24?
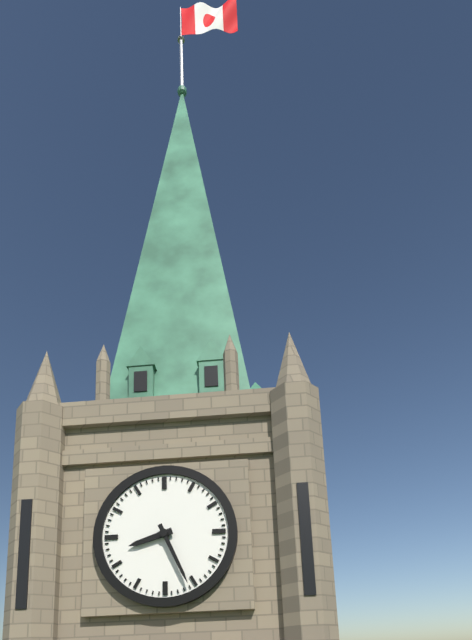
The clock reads 8h26
